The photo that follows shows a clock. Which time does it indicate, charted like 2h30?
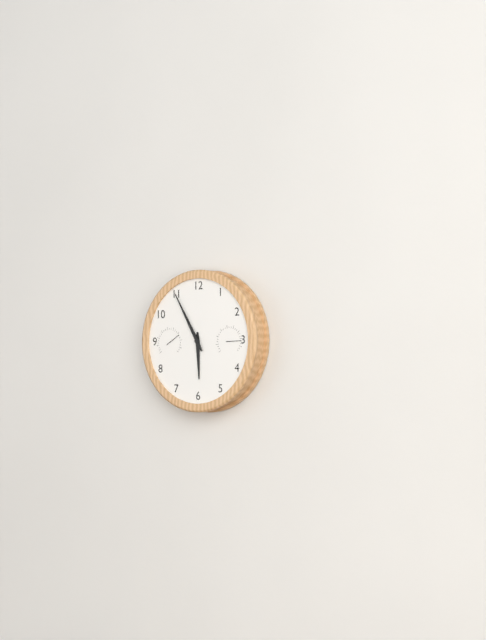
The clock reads 5h55
